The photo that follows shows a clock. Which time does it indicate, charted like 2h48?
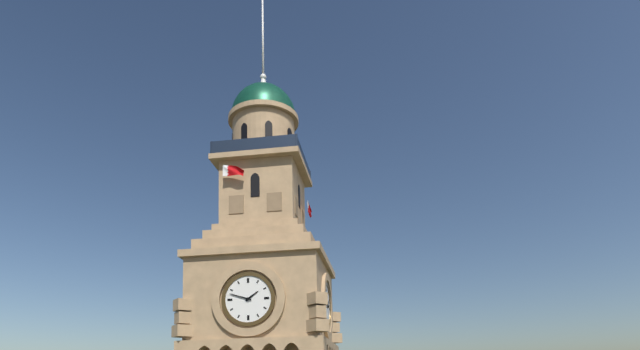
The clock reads 1h48
